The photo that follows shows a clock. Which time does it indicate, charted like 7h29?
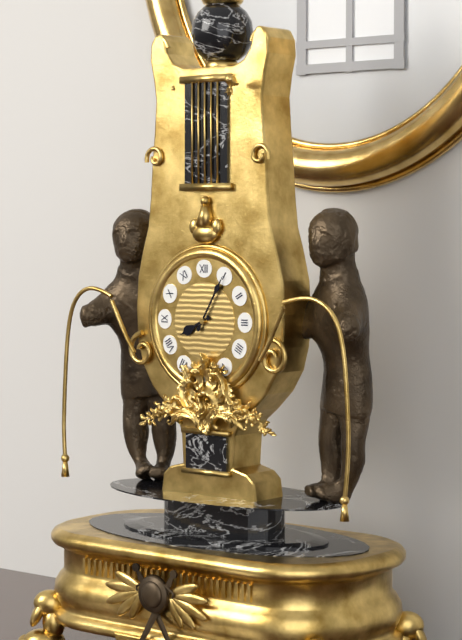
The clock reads 8h05
